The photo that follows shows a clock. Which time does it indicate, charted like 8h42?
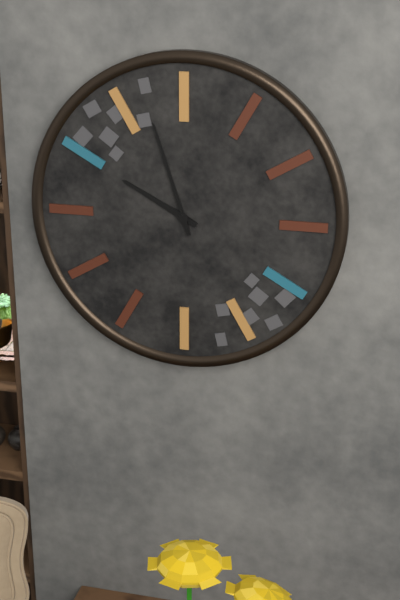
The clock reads 9h57
